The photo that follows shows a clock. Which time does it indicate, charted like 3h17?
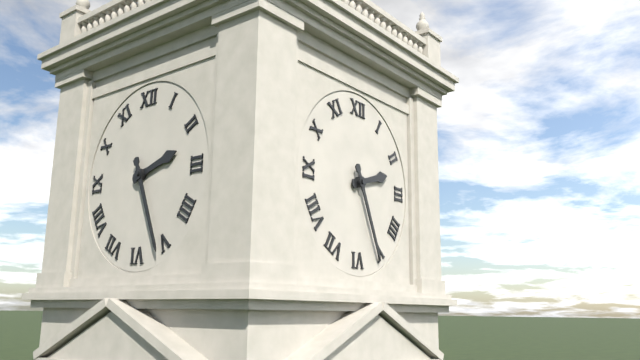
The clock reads 2h26
